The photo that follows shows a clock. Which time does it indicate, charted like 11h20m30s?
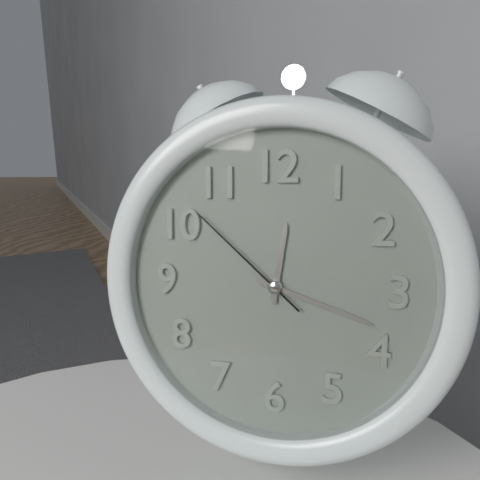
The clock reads 12h18m52s
